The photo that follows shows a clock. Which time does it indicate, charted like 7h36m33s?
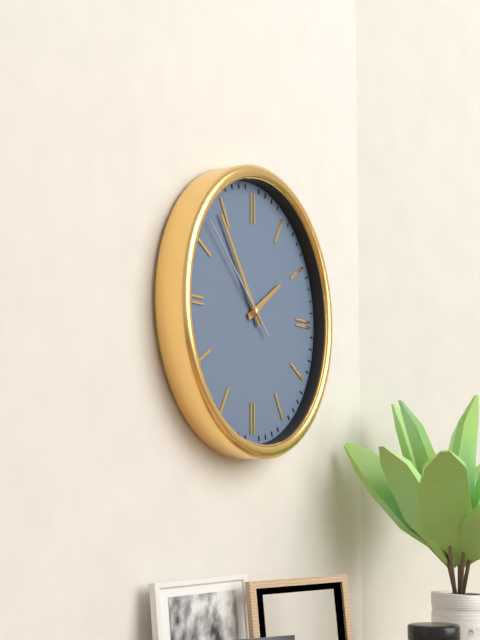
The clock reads 1h54m52s
